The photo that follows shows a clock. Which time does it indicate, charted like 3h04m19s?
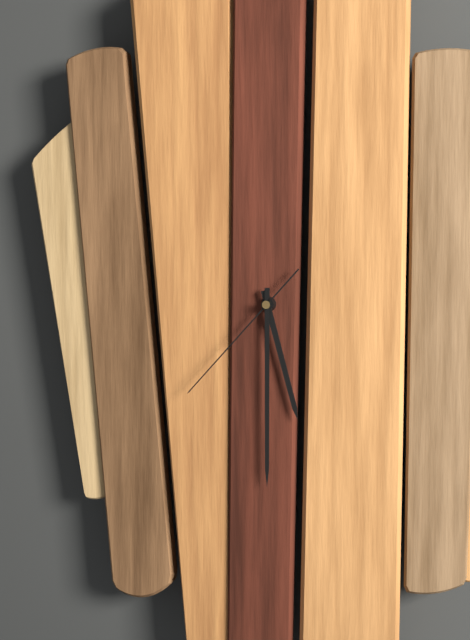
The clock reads 5h30m37s
